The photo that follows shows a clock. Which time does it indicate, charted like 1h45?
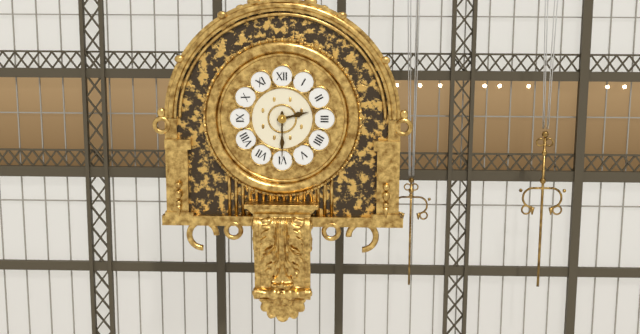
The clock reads 2h30
